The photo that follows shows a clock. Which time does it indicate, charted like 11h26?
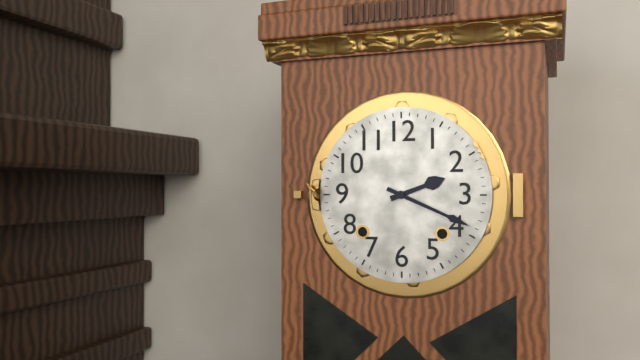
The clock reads 2h19
